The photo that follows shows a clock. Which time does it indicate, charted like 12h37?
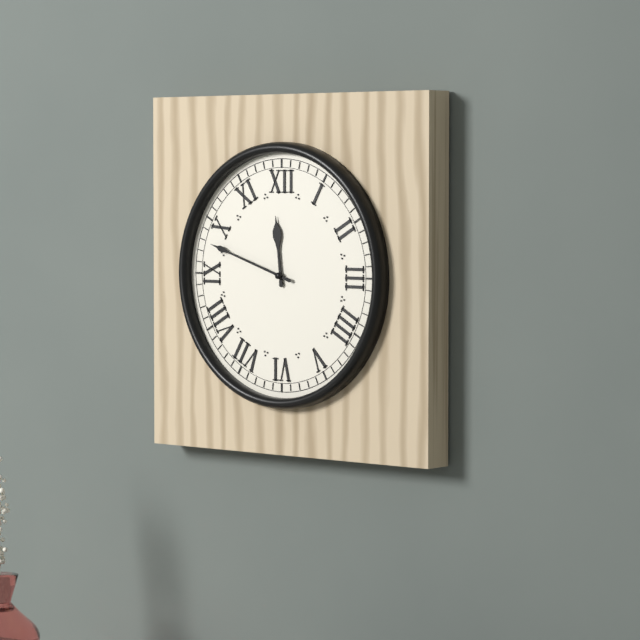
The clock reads 11h48
